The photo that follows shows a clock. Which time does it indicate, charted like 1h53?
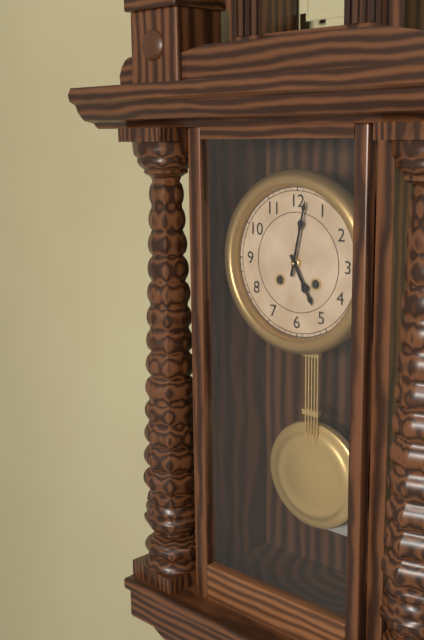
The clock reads 5h02
